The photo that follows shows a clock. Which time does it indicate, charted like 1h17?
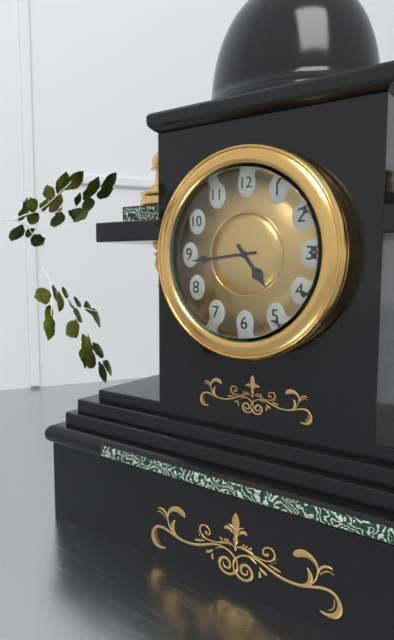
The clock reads 4h44
